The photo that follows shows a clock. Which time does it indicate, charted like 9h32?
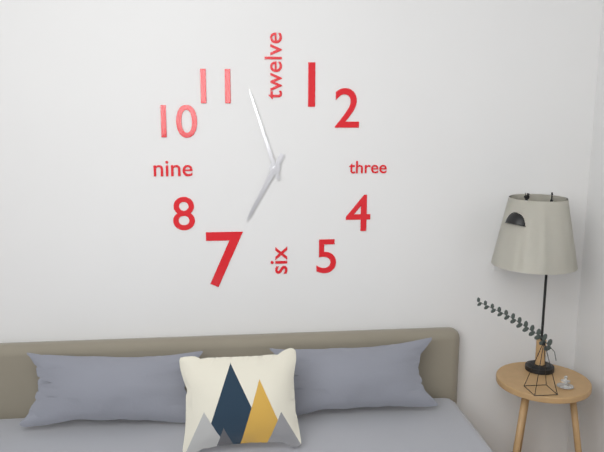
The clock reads 6h57
